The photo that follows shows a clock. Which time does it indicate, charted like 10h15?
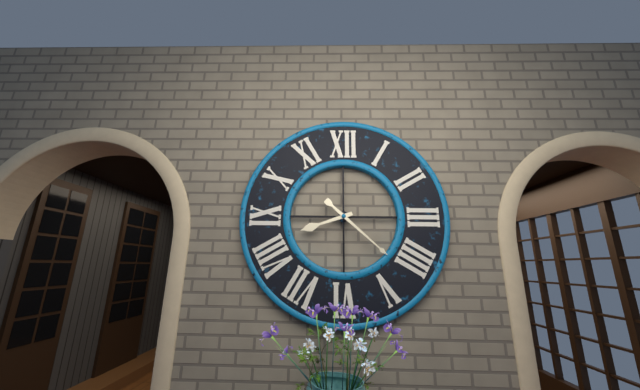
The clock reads 8h22
